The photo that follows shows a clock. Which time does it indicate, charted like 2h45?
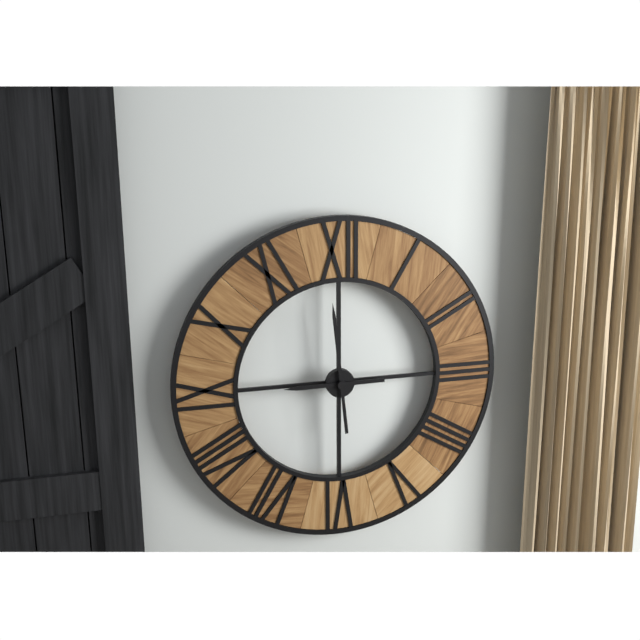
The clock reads 8h59
